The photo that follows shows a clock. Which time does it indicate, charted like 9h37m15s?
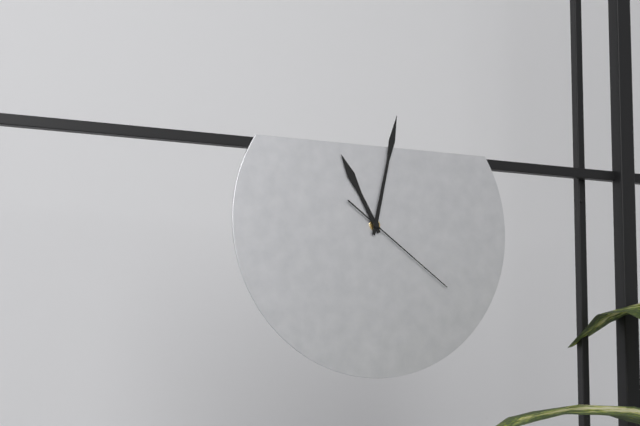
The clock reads 11h02m21s
